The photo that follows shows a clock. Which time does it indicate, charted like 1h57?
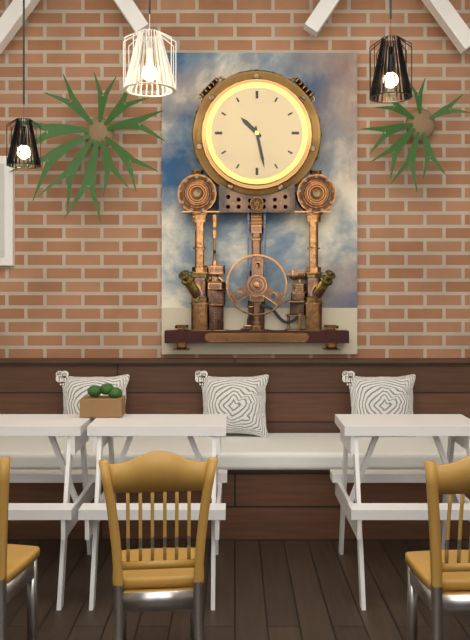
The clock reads 10h28
